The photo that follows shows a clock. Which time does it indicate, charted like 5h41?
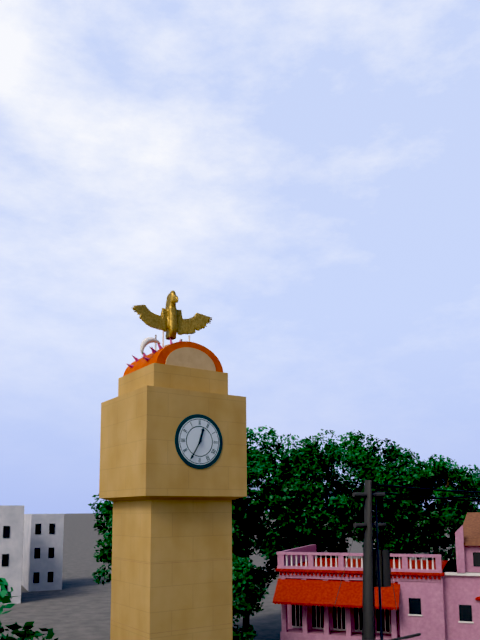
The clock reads 12h35
